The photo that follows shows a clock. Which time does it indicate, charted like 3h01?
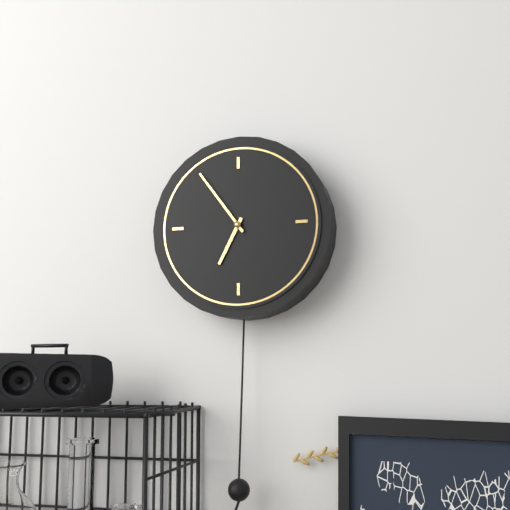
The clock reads 6h54
